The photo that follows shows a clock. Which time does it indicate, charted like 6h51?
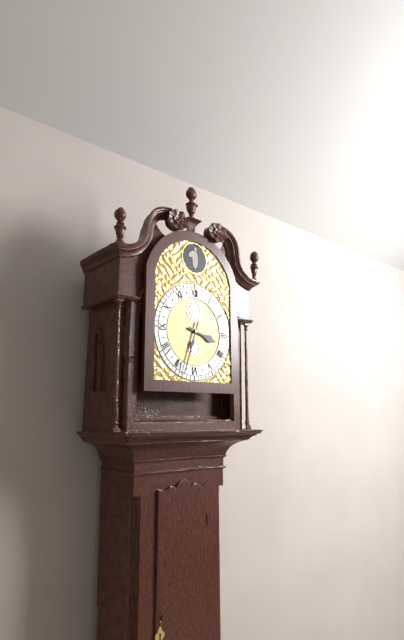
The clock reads 3h33
